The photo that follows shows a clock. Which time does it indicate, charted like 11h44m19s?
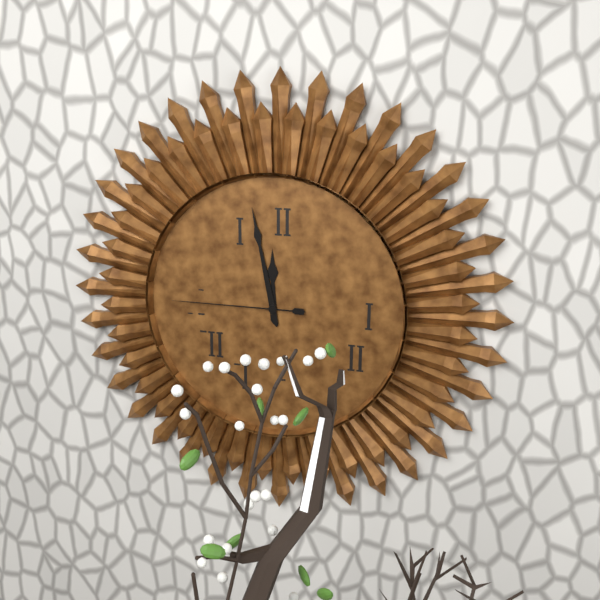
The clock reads 11h58m45s
